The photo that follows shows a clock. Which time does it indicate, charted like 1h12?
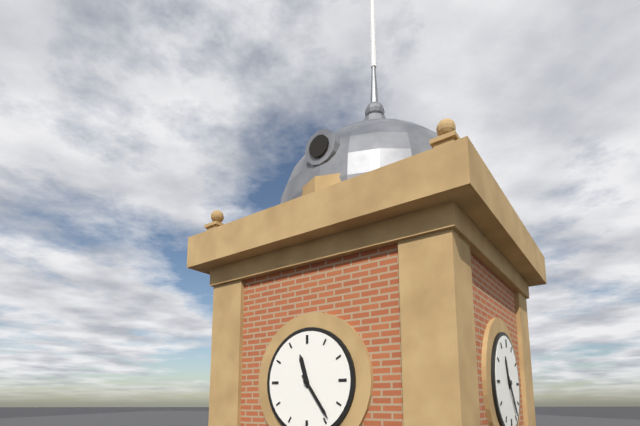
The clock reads 11h24
